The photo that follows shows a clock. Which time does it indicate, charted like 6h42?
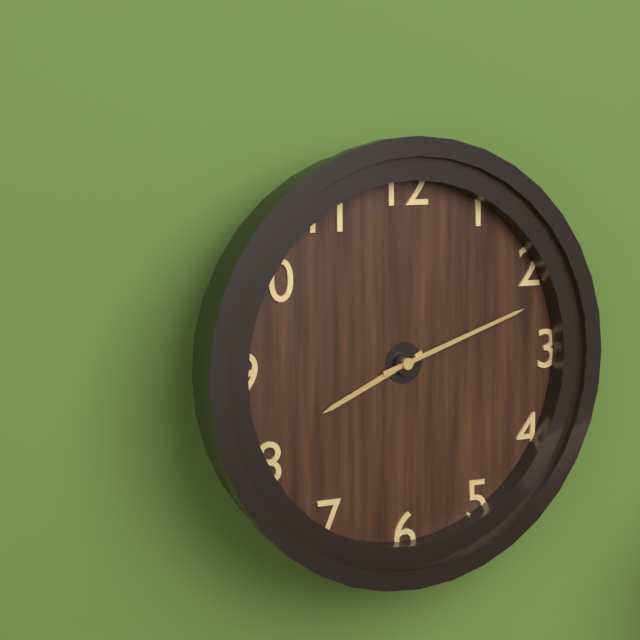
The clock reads 8h12
